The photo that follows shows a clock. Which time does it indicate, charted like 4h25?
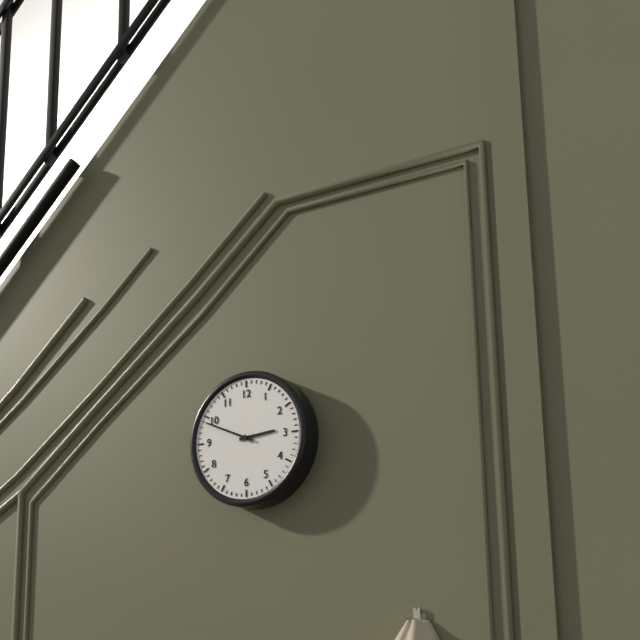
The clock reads 2h49
